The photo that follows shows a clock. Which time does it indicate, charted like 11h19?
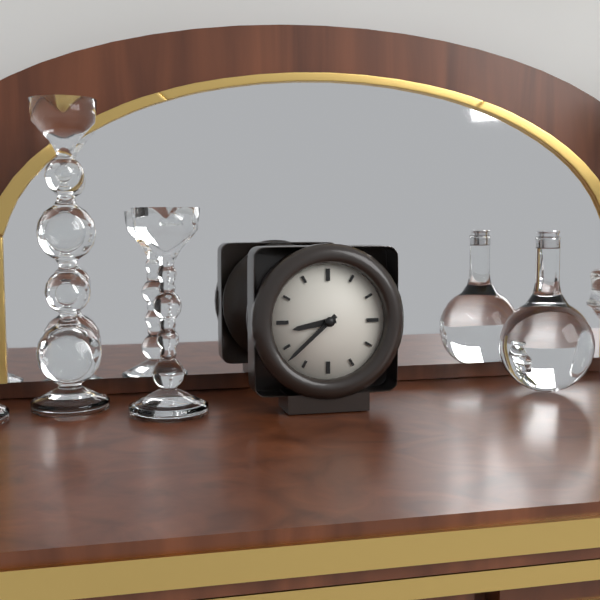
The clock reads 8h38
